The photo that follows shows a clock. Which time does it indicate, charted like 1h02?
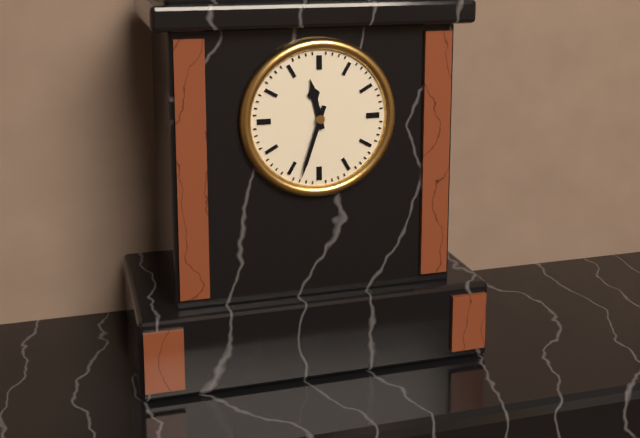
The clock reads 11h33
